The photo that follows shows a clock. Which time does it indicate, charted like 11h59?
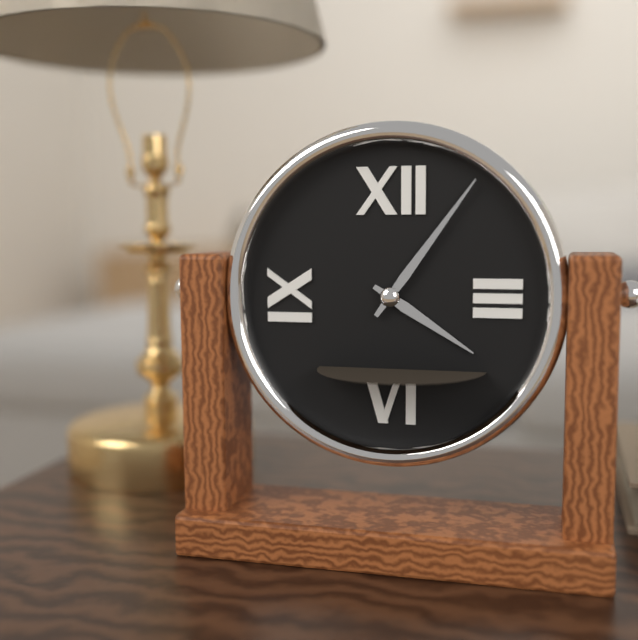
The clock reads 4h06
